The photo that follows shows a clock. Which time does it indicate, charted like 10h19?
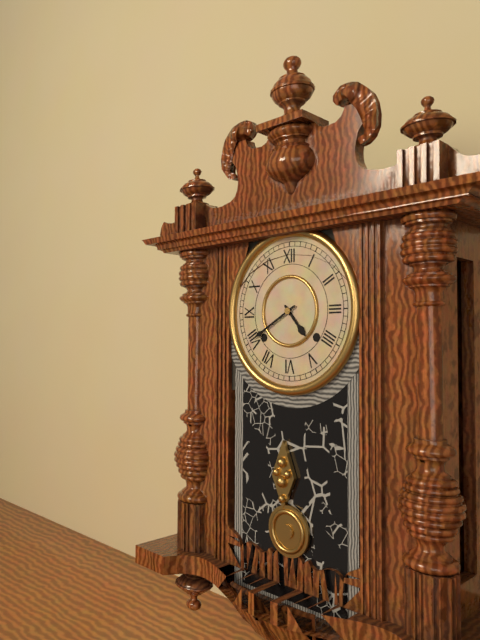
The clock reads 4h40
